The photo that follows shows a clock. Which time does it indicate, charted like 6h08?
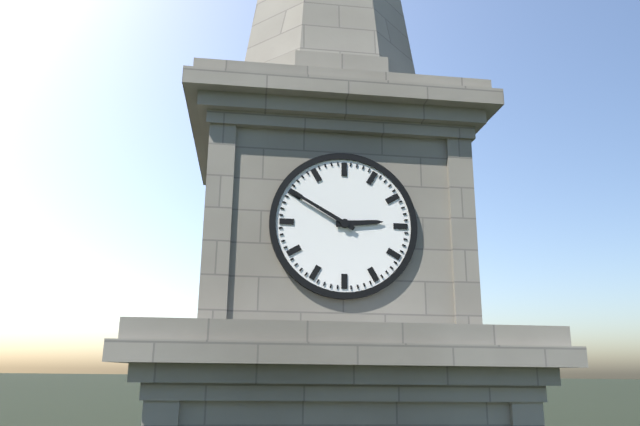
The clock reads 2h50
